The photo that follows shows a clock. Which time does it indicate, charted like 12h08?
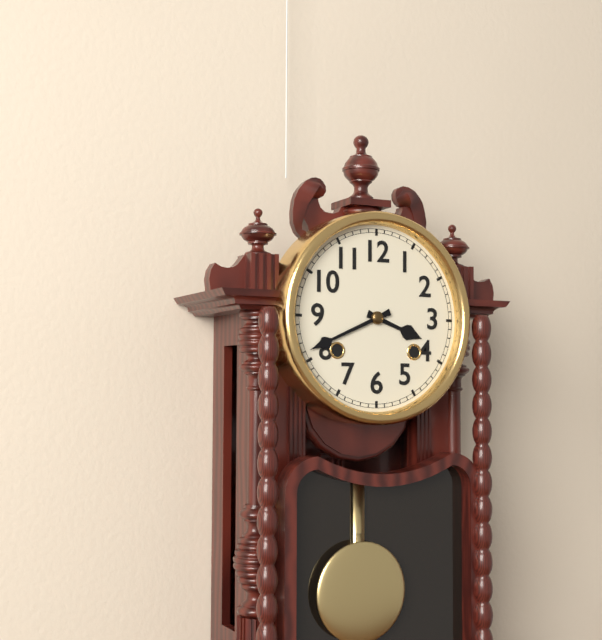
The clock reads 3h41
